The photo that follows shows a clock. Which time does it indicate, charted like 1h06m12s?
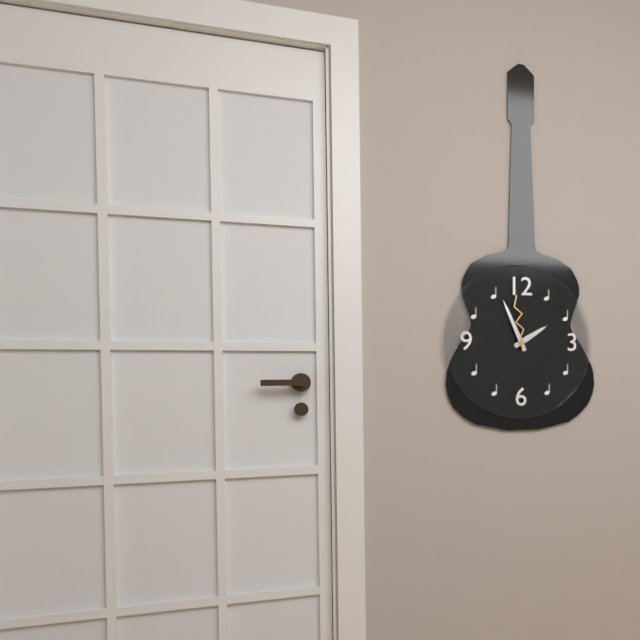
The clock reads 1h56m59s
